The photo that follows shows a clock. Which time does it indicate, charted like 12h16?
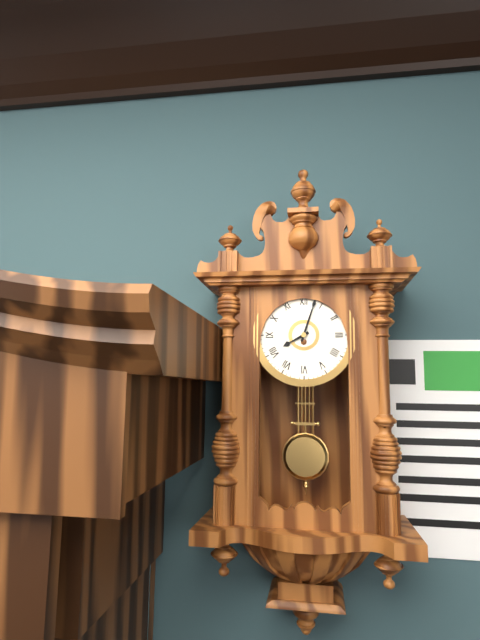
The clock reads 8h03
